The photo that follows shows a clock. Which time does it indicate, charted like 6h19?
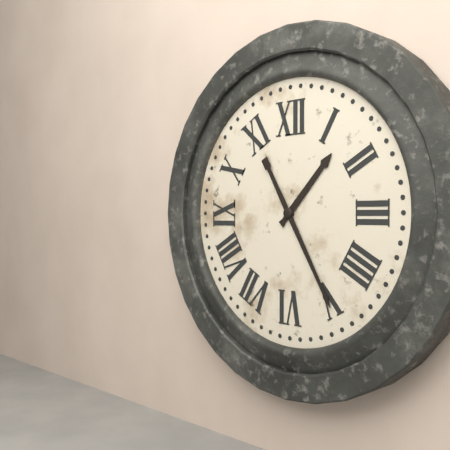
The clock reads 1h25
